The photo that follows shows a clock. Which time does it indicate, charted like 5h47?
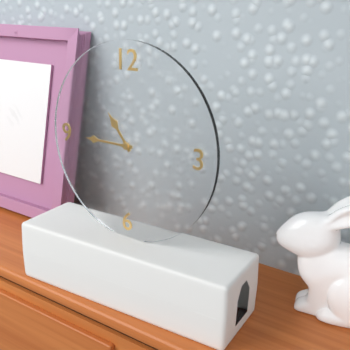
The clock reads 10h45
